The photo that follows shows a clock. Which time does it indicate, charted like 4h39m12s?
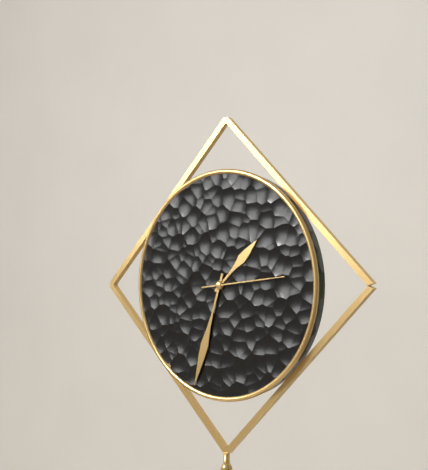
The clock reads 1h33m14s
